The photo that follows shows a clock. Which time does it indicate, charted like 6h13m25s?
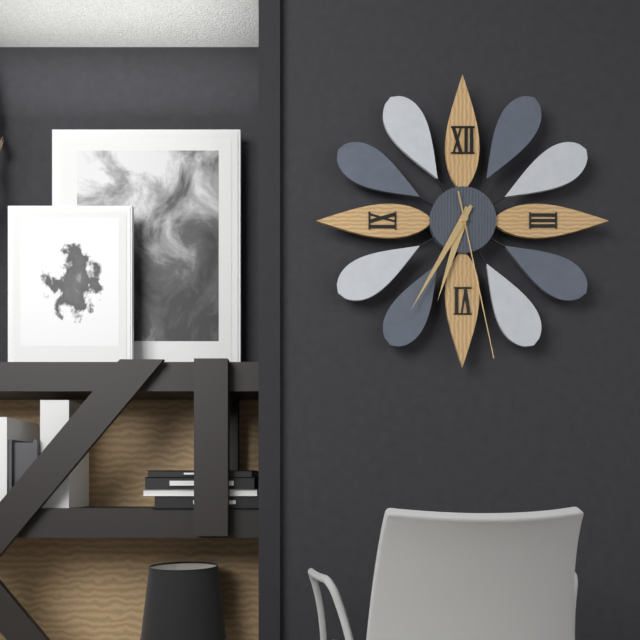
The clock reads 6h35m28s
